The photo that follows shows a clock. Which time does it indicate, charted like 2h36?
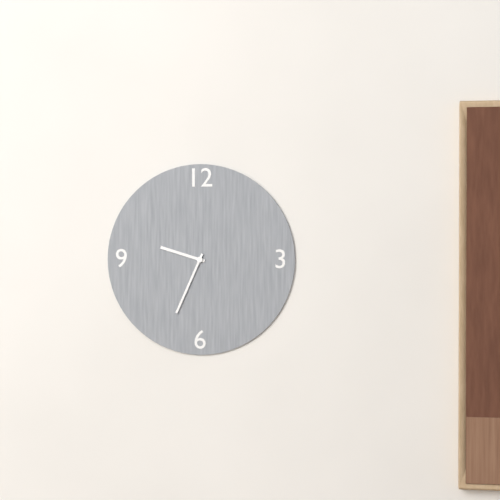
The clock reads 9h34
